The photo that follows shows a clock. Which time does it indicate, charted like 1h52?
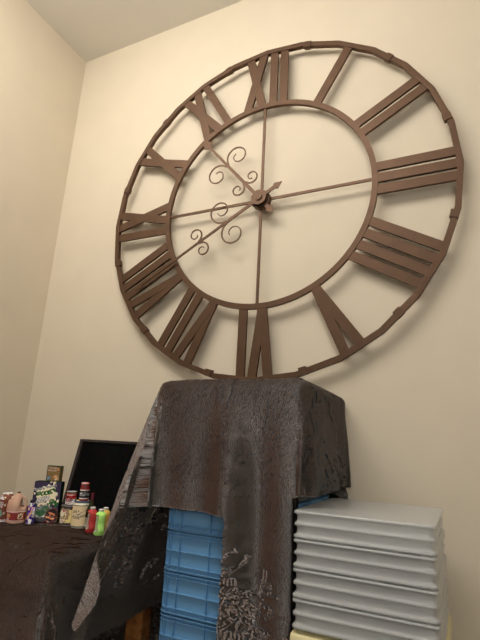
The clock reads 10h40
